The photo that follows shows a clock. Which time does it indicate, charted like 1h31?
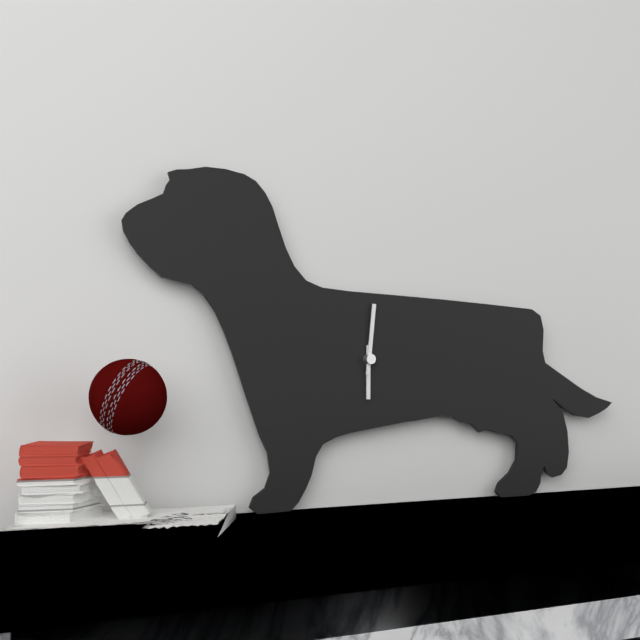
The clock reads 6h01
